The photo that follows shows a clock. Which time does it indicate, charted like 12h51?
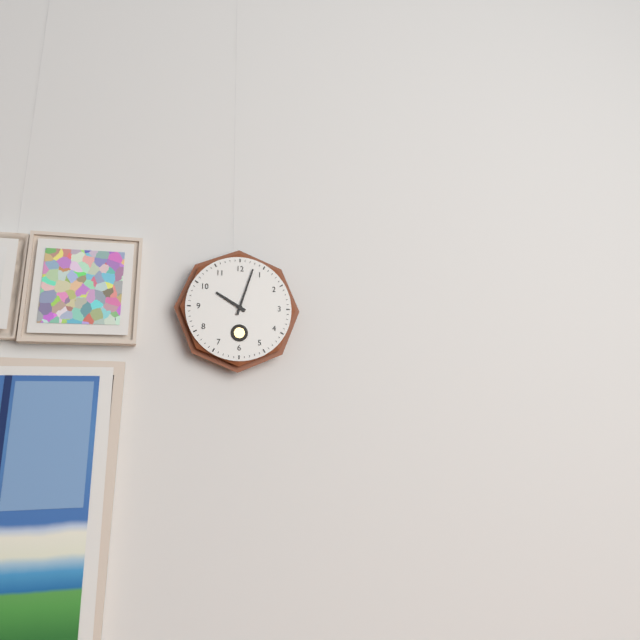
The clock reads 10h03
